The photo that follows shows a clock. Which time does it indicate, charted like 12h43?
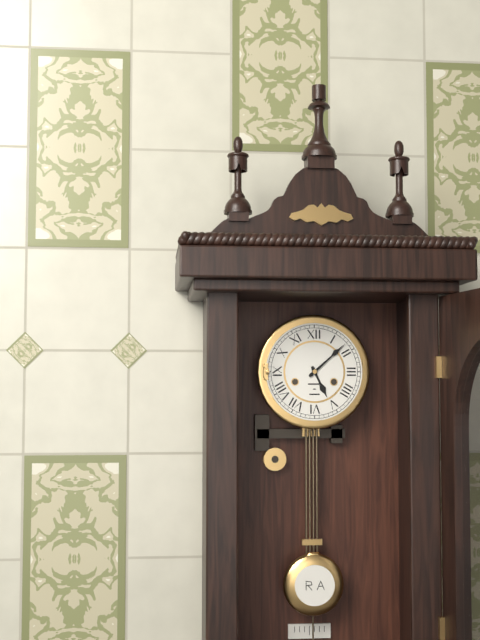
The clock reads 5h08
